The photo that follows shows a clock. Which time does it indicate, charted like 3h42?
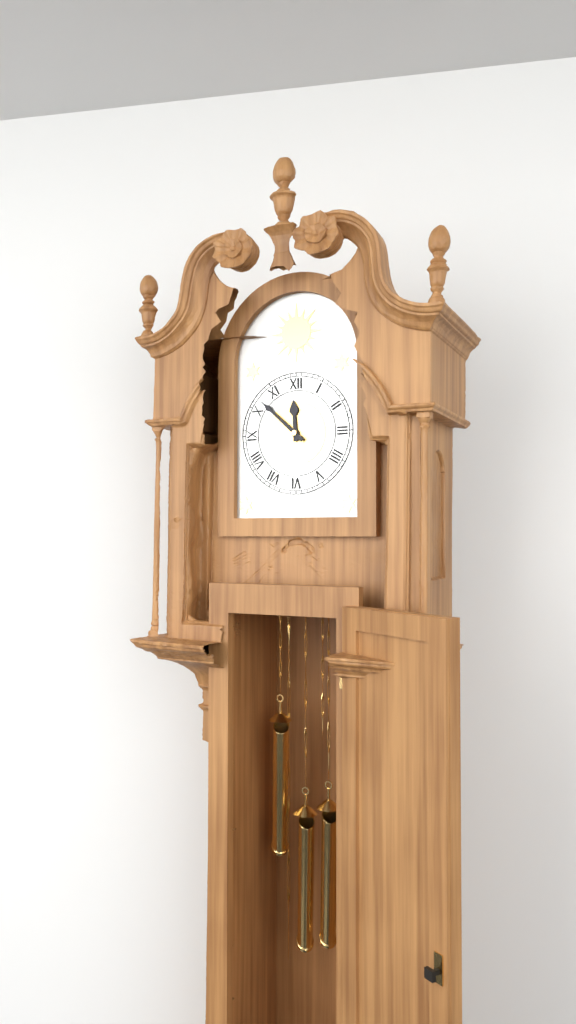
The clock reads 11h52
